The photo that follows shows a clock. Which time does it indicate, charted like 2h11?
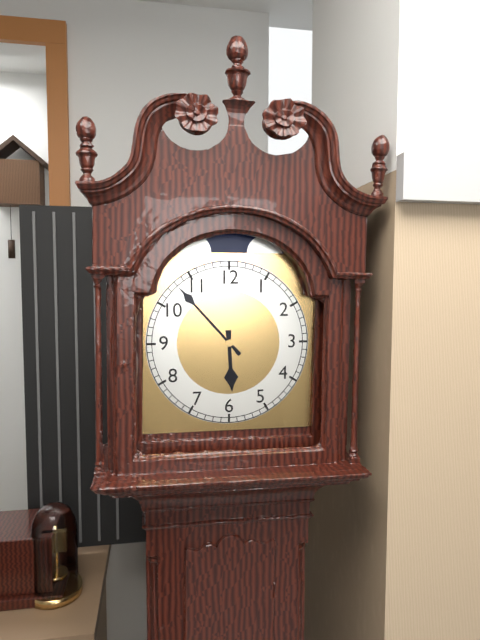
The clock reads 5h53
